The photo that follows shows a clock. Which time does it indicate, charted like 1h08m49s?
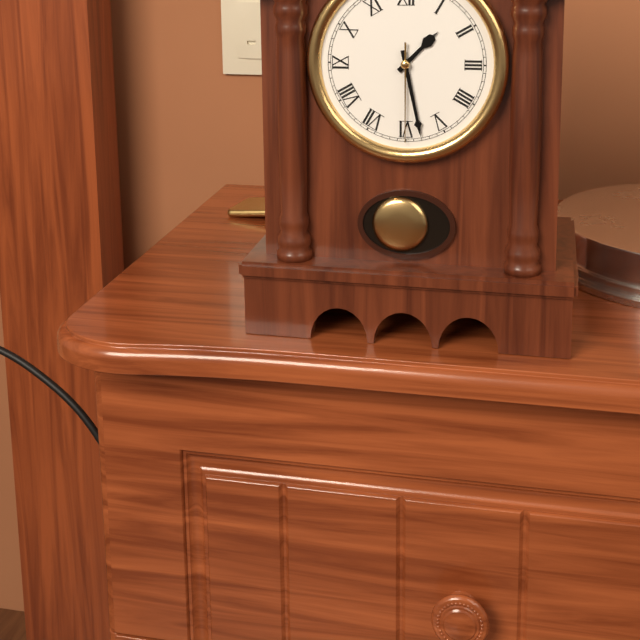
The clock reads 1h28m30s
